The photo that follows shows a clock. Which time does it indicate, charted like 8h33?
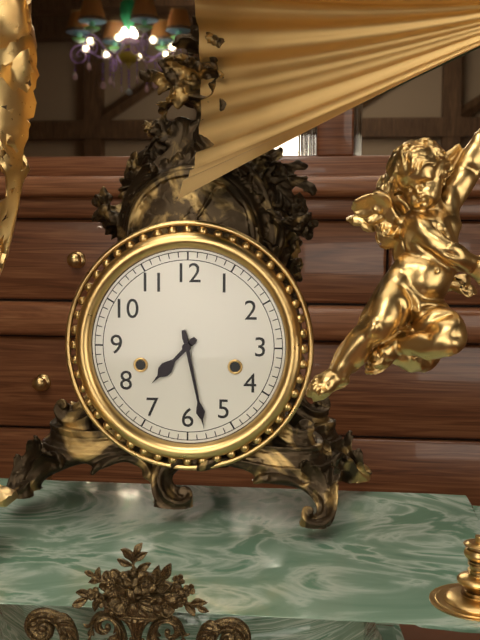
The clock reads 7h28
